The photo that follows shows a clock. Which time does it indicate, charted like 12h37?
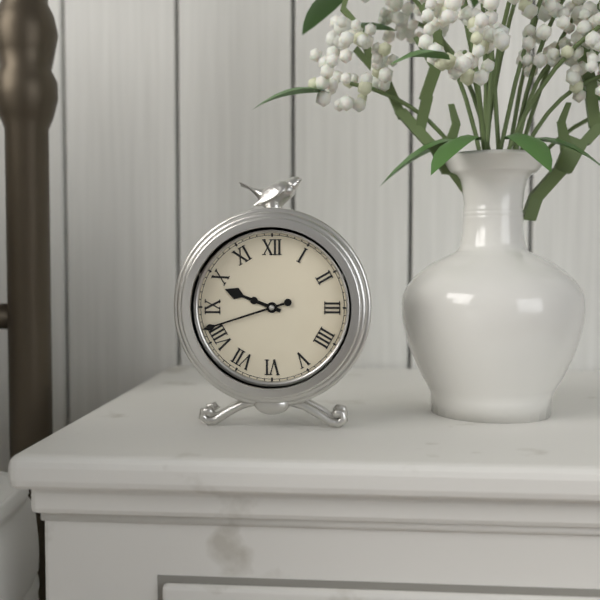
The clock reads 9h42
